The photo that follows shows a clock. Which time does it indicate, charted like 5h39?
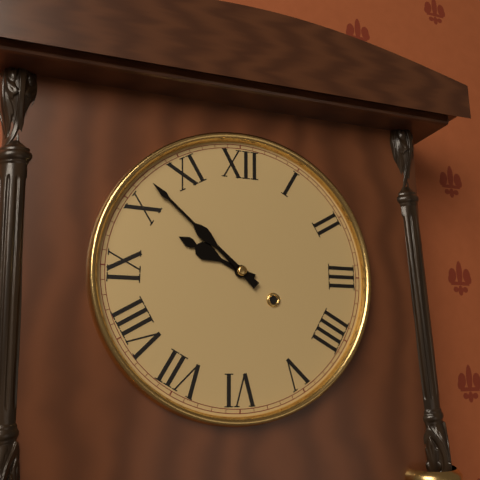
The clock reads 9h52
